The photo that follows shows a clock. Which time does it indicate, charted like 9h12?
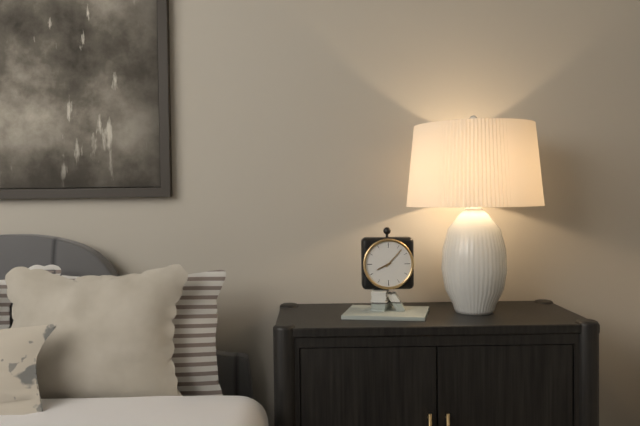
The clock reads 8h07
